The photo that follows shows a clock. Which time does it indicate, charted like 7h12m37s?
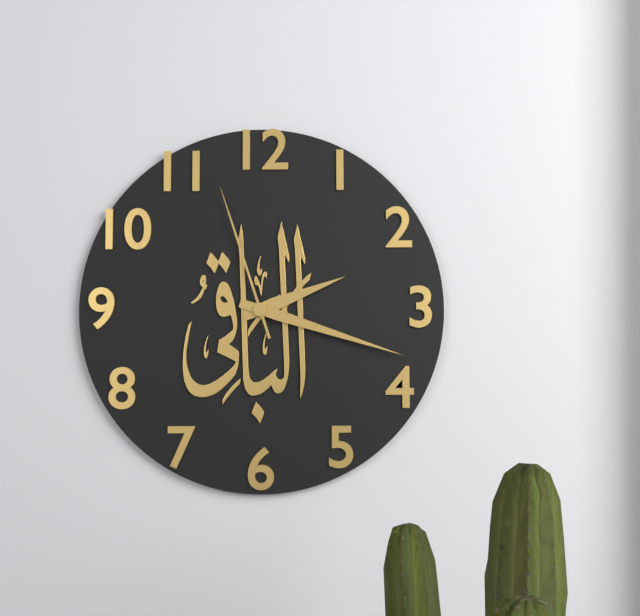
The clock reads 2h18m57s
